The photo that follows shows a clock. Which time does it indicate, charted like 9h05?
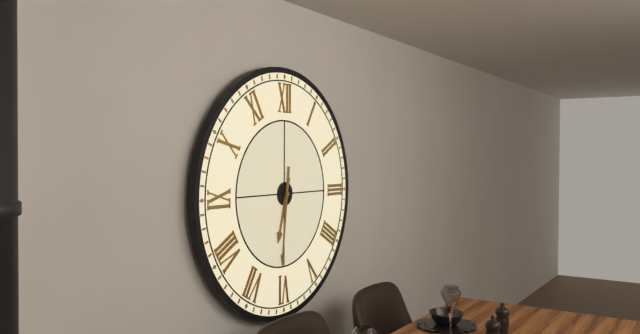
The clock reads 6h31
